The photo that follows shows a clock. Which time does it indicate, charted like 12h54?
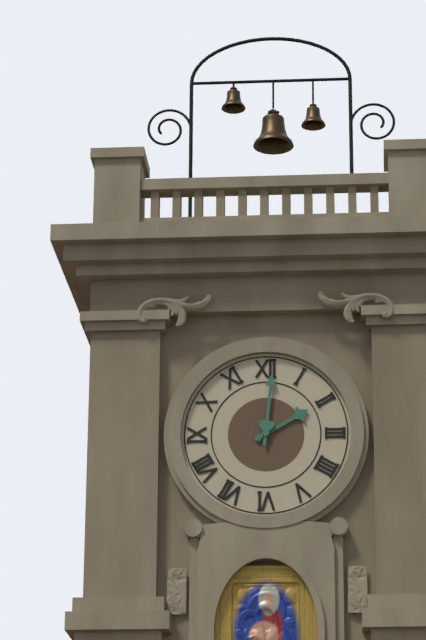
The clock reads 2h01
